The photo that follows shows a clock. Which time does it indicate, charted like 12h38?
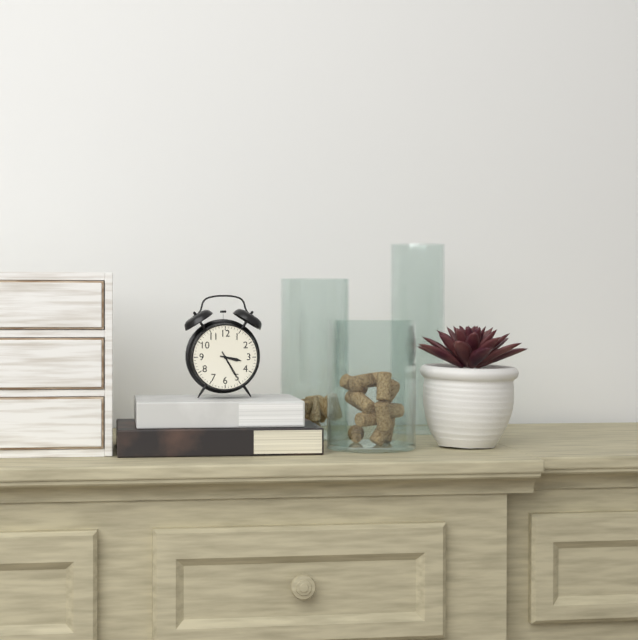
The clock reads 3h25
